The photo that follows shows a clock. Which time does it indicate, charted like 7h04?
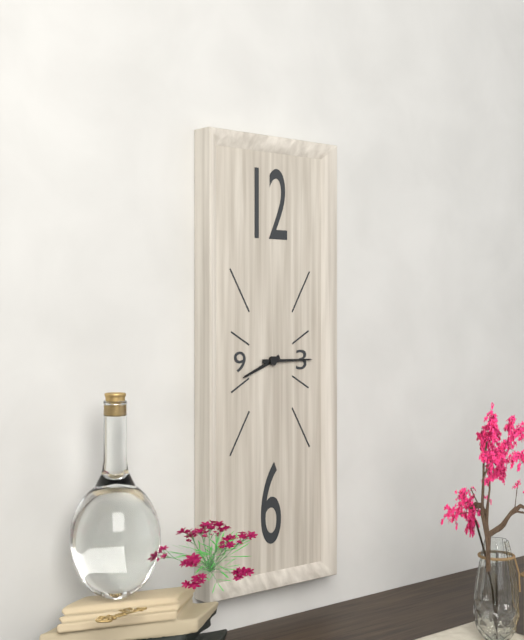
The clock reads 8h15
